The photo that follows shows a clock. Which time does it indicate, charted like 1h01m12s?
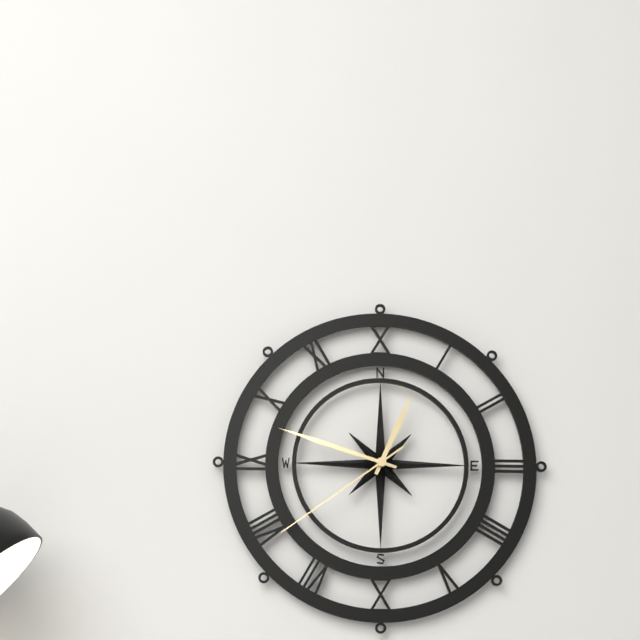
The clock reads 12h48m39s
